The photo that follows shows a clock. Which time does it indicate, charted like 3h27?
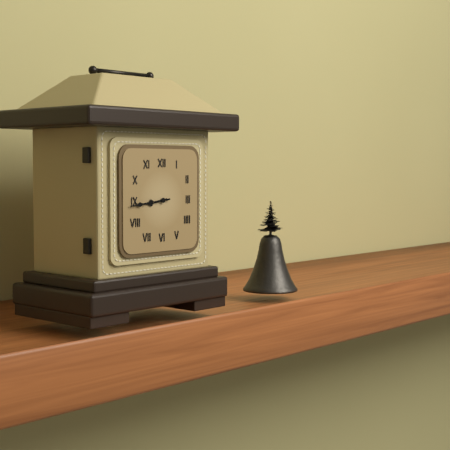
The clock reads 8h44
